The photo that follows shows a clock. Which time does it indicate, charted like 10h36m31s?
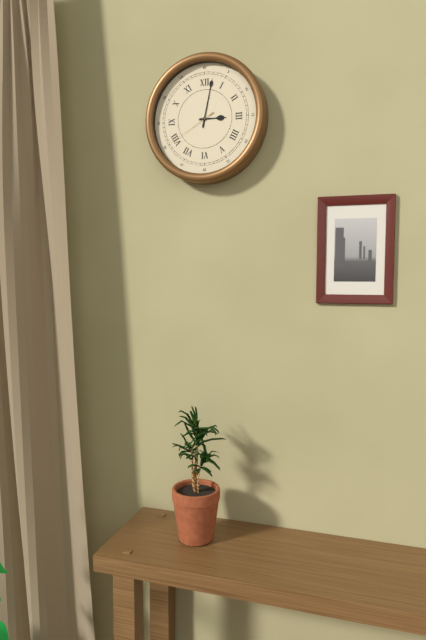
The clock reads 3h02m40s
